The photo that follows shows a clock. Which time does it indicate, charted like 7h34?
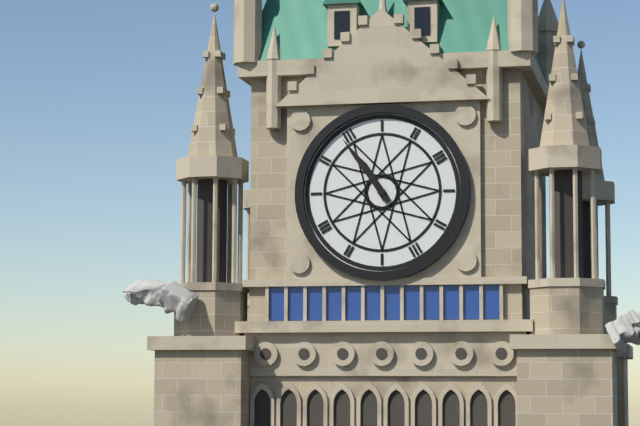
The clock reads 10h54
